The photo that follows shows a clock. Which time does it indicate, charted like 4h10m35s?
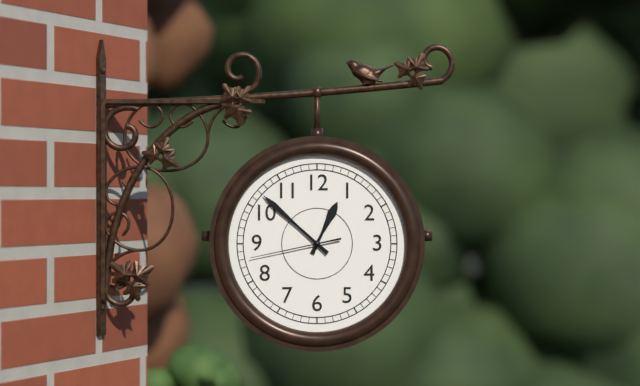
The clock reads 12h52m43s
